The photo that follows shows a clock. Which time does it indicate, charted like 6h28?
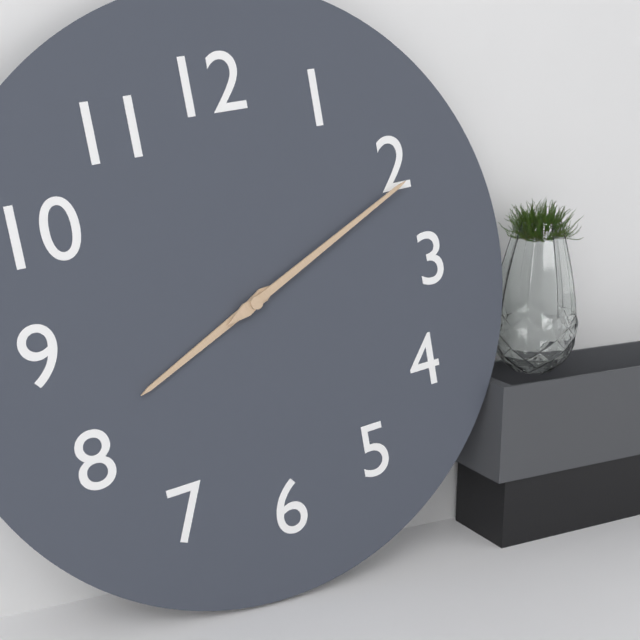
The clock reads 8h11
